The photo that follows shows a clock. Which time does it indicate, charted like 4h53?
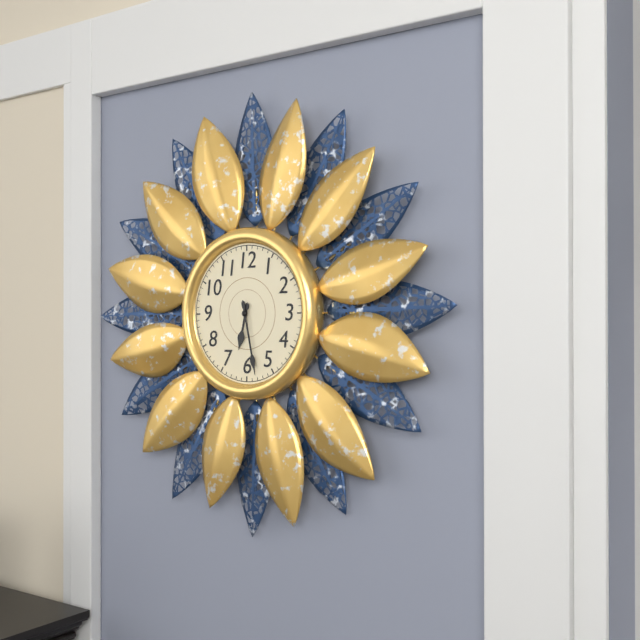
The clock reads 6h28
